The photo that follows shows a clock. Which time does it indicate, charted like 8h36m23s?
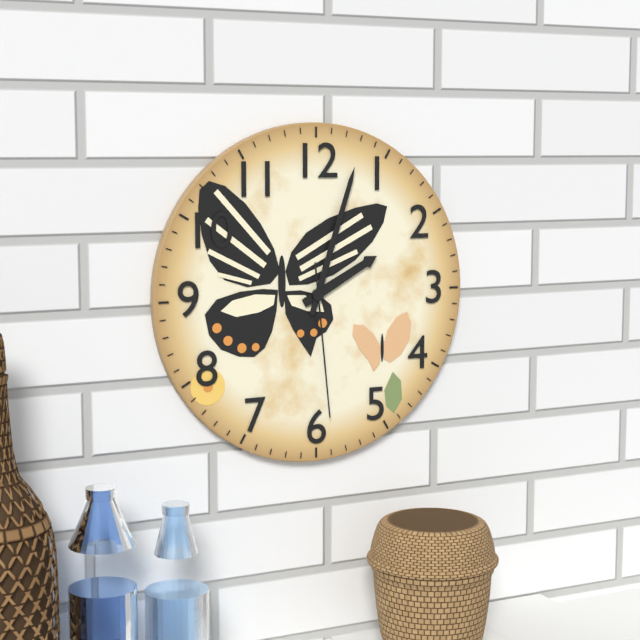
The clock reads 2h03m29s
